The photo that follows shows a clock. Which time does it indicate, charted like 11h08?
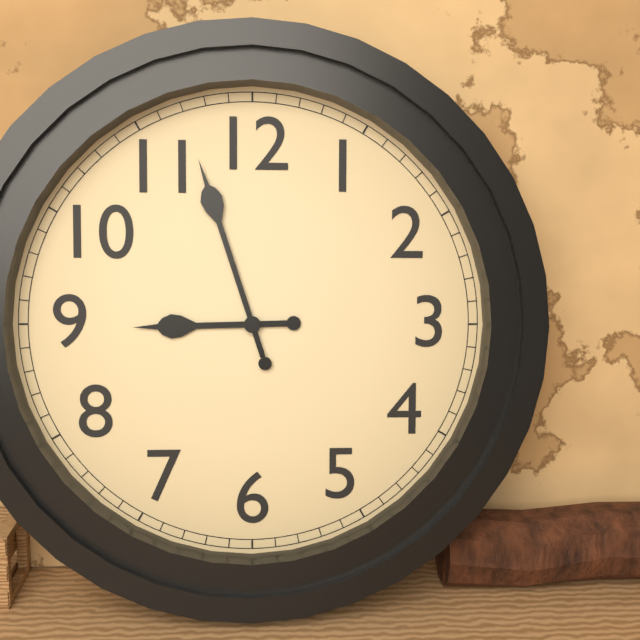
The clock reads 8h57
